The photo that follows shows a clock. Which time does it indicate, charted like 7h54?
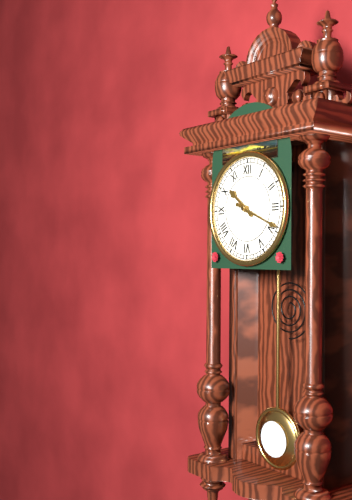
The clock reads 10h19
